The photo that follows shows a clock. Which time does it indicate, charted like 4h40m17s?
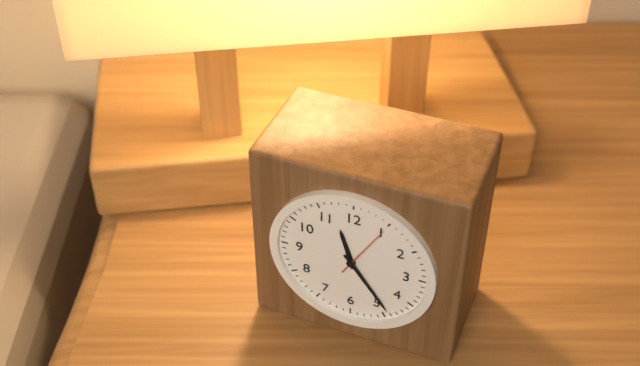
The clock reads 11h24m05s
